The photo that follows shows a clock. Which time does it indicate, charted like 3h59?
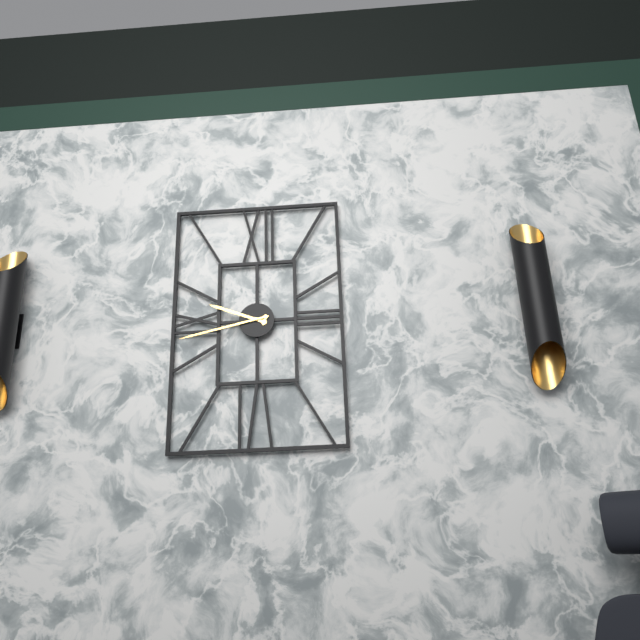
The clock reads 9h43
